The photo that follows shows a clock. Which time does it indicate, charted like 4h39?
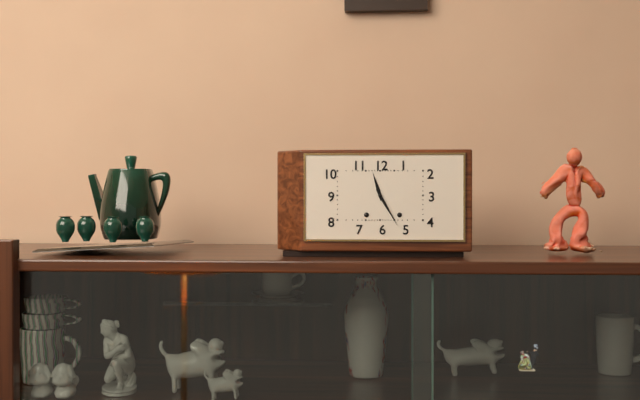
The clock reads 11h25
